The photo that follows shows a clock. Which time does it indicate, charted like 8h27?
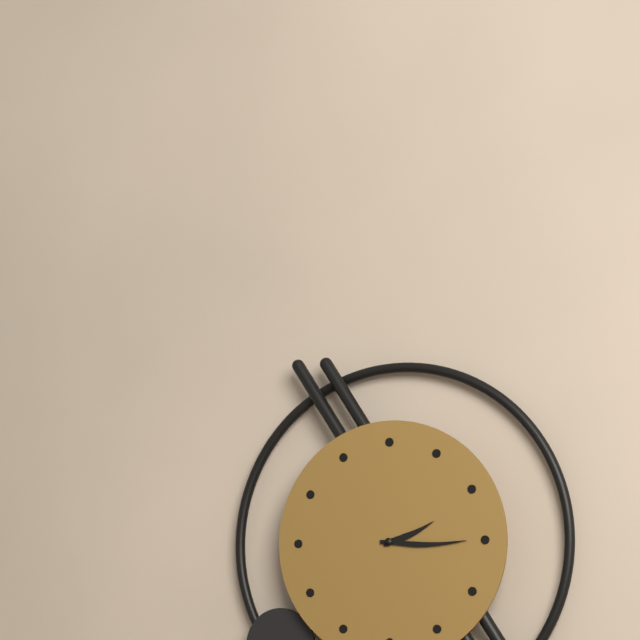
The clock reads 2h15
